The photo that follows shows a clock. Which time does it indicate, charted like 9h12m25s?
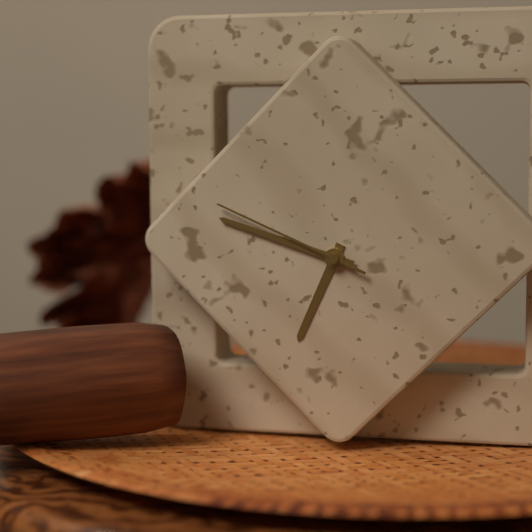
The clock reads 6h48m49s
